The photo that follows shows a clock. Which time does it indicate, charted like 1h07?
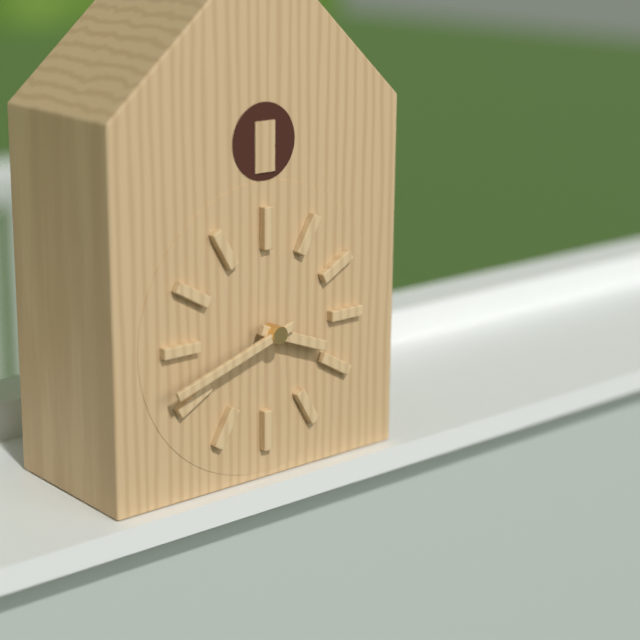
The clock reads 3h42
